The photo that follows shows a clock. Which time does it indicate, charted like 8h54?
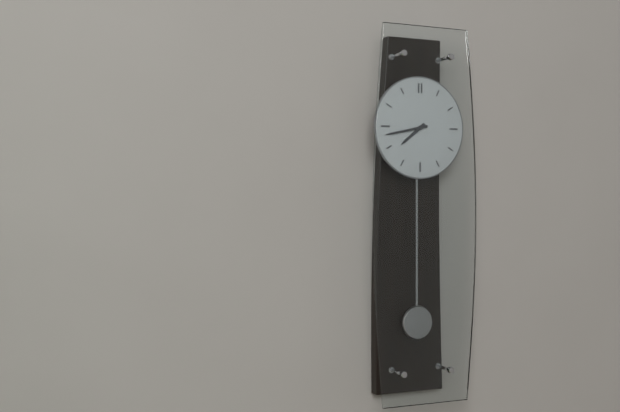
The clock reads 7h43
